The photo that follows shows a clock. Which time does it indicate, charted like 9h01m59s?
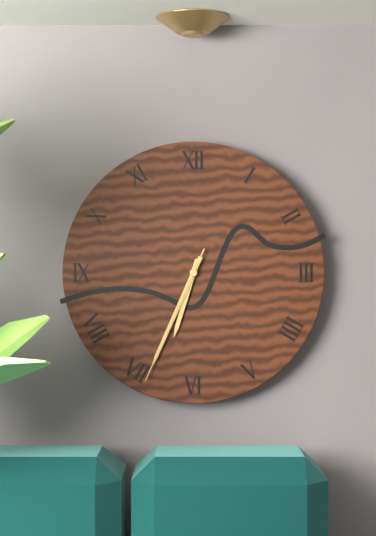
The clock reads 6h34m34s
